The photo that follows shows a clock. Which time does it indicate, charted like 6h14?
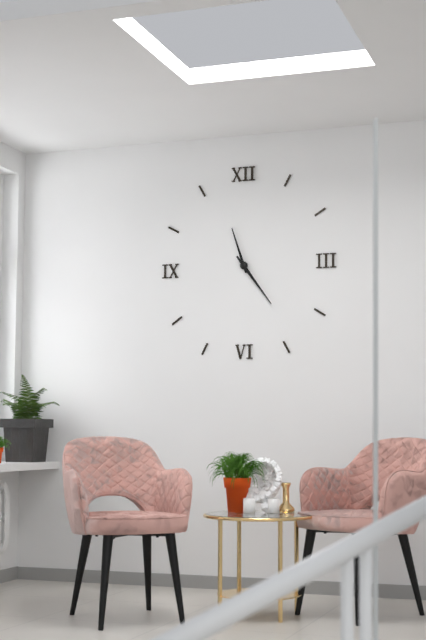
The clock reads 11h24
